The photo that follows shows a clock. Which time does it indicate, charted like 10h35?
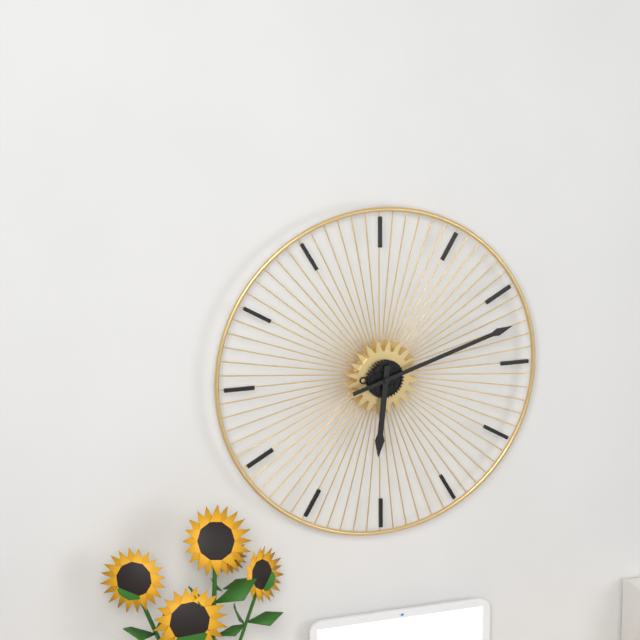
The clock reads 6h12
